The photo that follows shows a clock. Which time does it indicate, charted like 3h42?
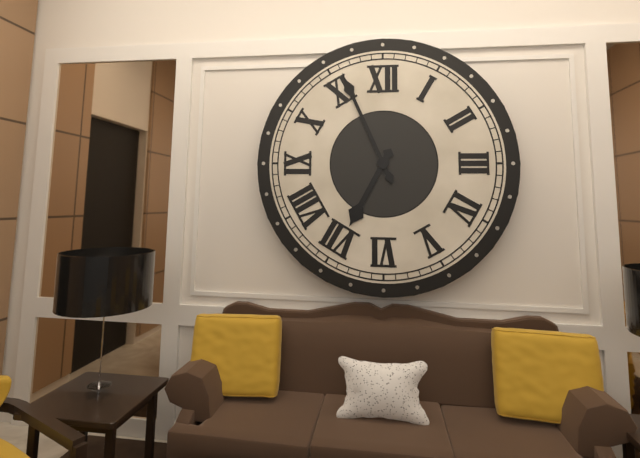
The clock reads 6h56
